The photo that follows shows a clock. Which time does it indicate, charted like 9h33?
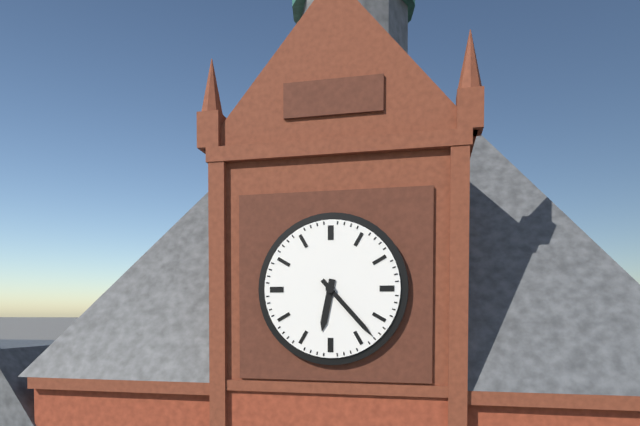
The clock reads 6h23
